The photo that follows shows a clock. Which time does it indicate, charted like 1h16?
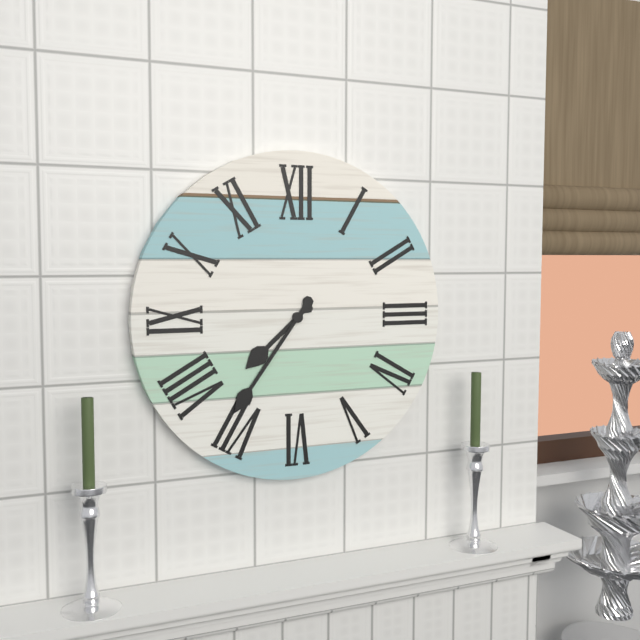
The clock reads 7h36
